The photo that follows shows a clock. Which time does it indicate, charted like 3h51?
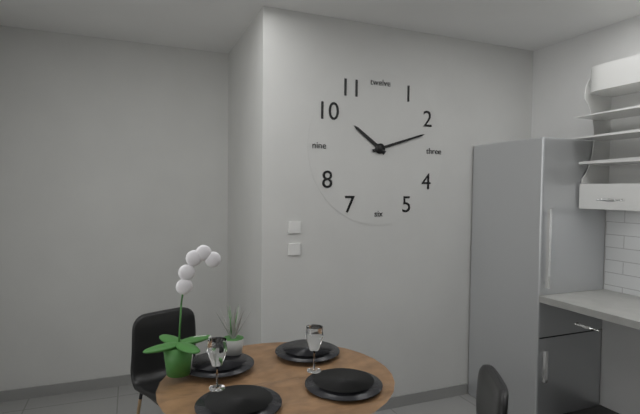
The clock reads 10h12
